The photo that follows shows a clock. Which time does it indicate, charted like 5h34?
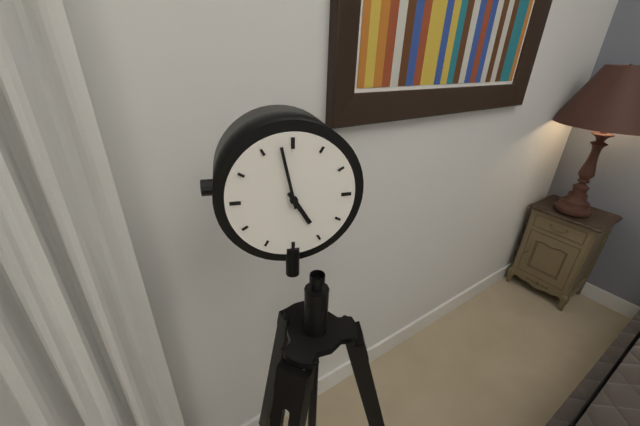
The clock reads 4h58
